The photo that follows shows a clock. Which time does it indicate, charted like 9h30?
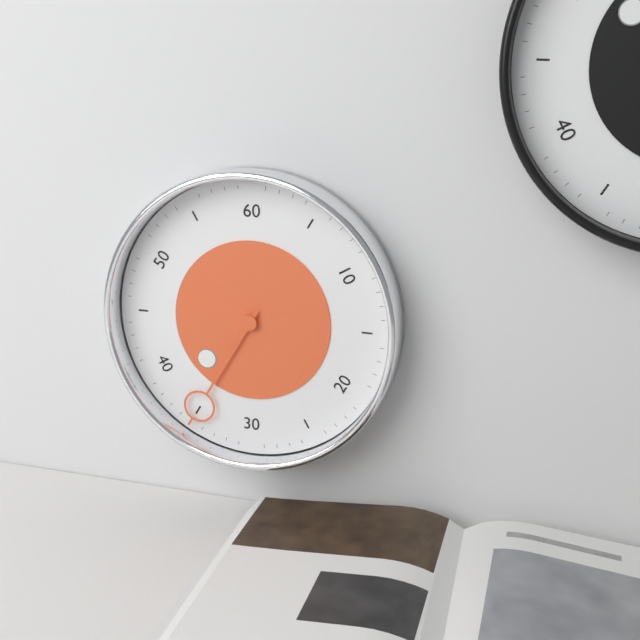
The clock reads 7h35
